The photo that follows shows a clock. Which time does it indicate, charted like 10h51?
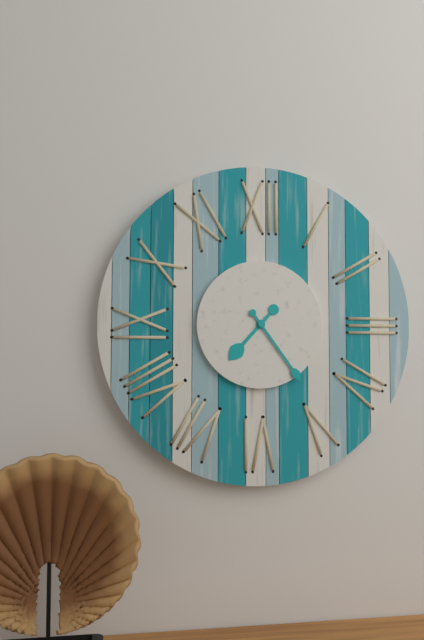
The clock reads 7h24
